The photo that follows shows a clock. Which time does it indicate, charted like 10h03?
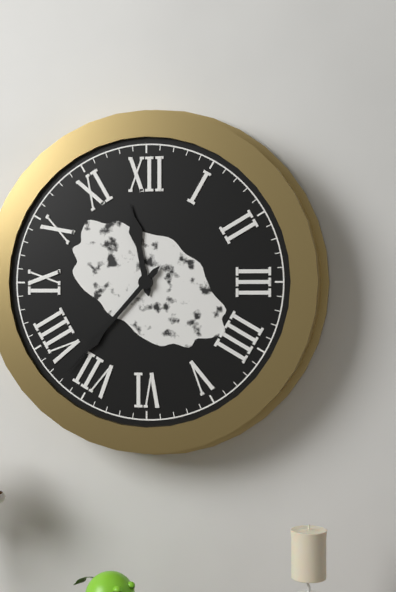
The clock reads 11h37
